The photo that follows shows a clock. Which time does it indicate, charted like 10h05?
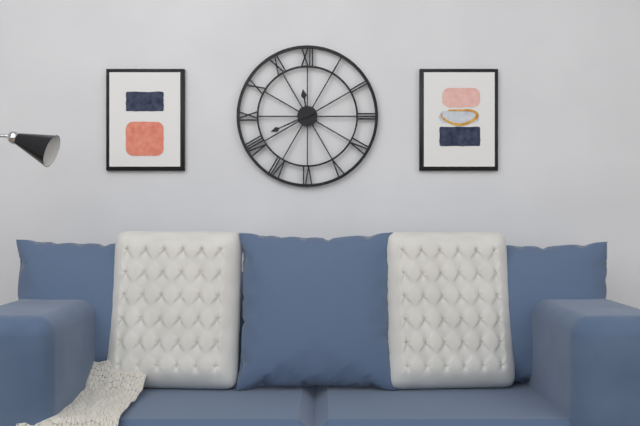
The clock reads 11h41
